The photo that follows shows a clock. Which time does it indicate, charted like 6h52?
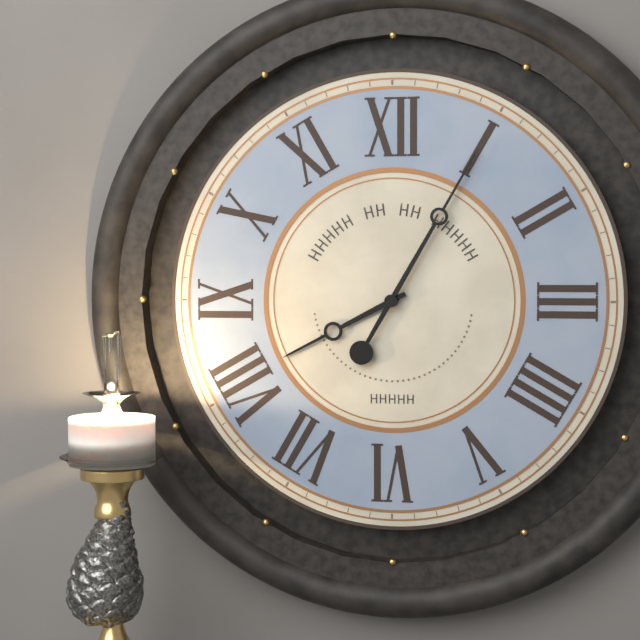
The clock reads 8h05
